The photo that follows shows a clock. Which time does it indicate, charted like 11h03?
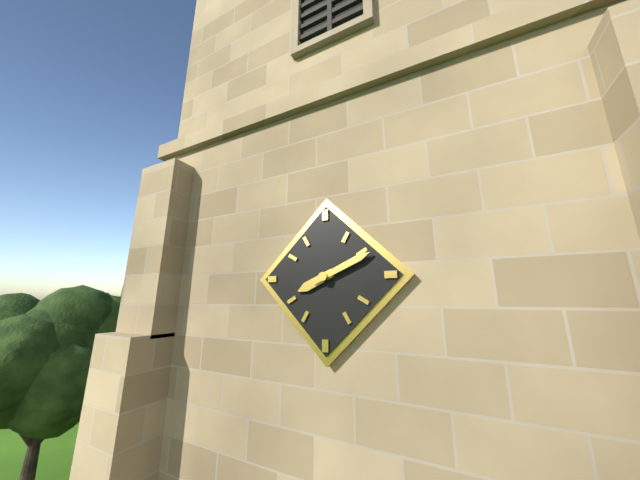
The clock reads 8h11
